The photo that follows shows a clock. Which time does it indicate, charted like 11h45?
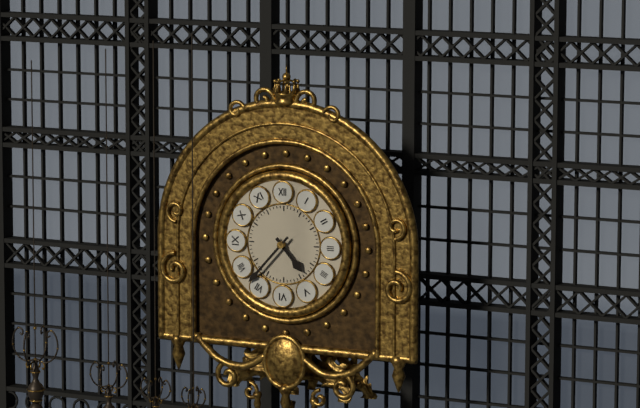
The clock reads 4h37
